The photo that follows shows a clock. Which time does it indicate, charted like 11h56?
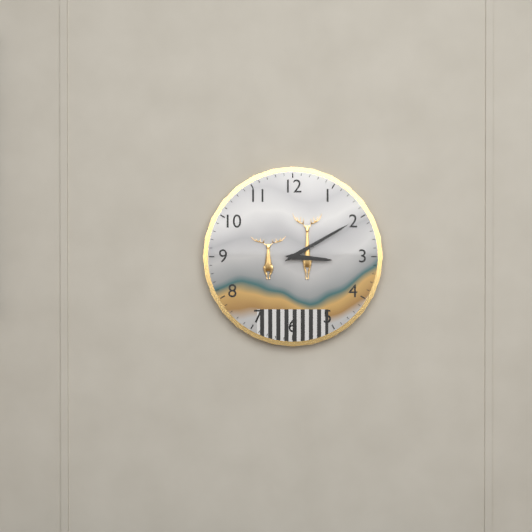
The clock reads 3h10
